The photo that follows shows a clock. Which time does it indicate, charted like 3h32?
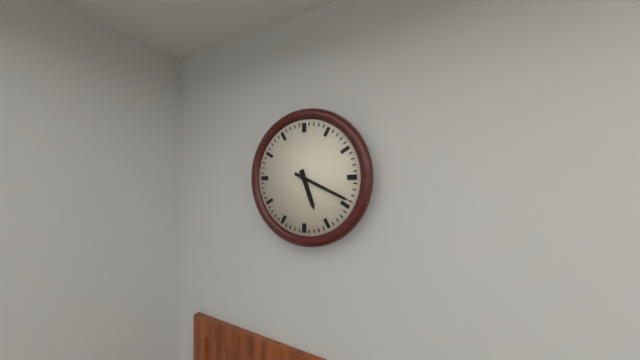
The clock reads 5h19
